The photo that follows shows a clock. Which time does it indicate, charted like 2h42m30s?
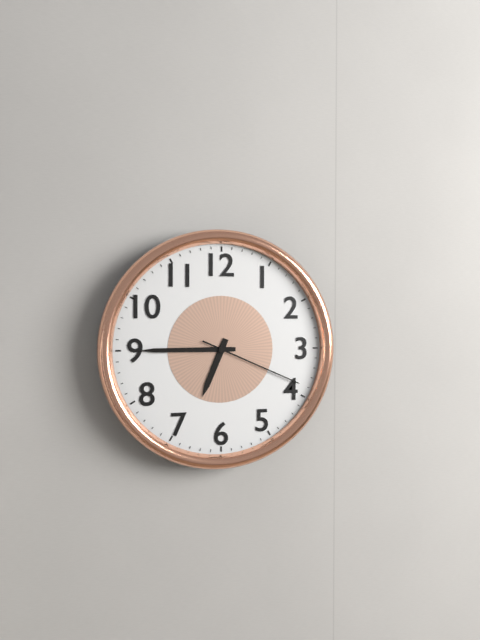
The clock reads 6h45m19s
